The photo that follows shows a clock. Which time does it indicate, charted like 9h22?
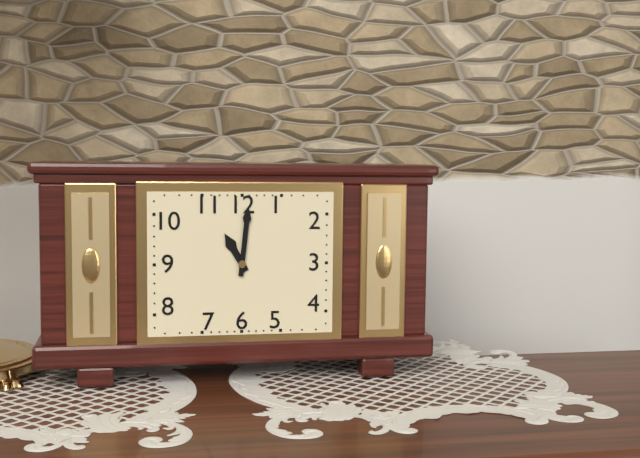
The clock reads 11h01
